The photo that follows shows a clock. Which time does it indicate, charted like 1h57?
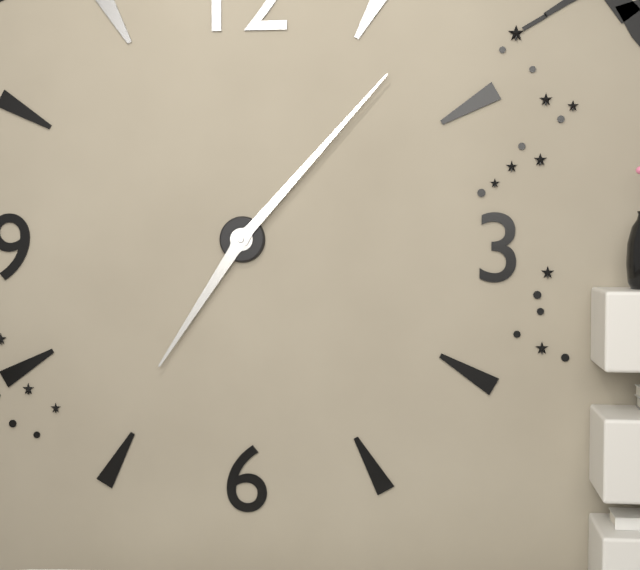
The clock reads 7h07
